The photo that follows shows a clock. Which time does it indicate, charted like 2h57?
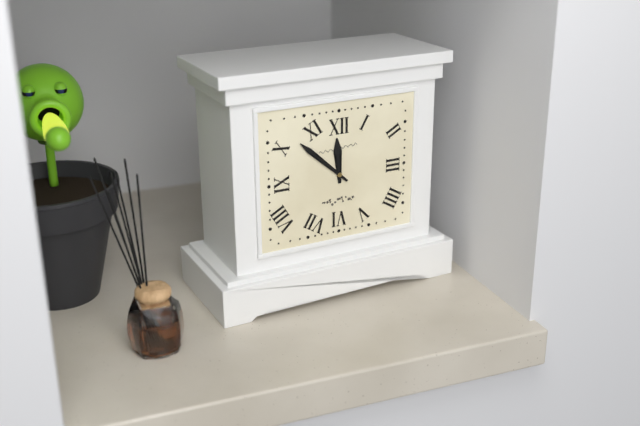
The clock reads 11h52
